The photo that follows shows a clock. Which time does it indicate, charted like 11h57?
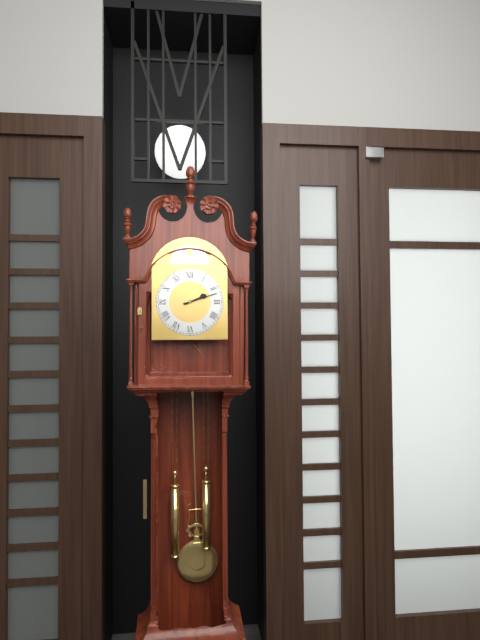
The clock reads 2h12
